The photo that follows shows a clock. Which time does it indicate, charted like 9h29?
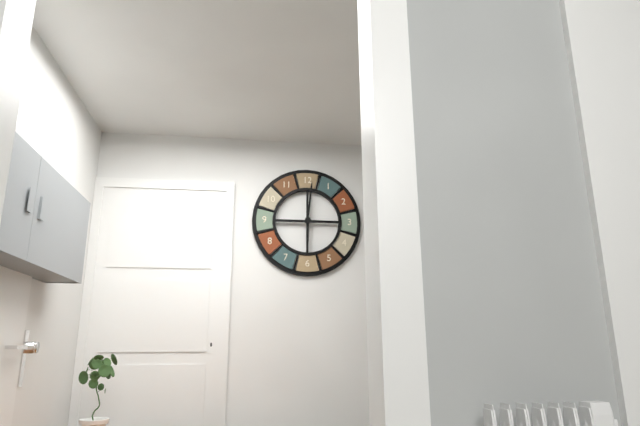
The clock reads 6h01
